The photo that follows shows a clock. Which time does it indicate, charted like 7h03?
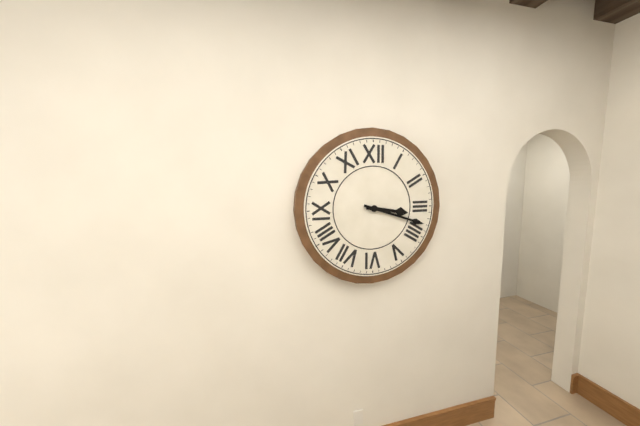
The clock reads 3h18
